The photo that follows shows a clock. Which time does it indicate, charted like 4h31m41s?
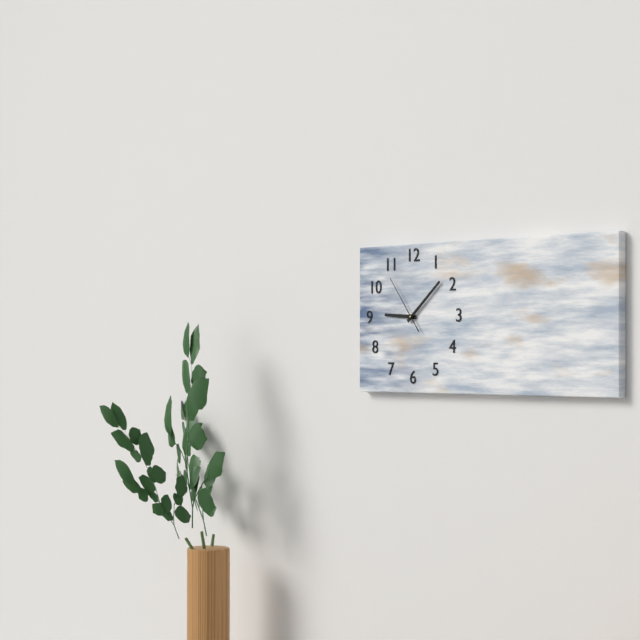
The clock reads 9h08m54s
